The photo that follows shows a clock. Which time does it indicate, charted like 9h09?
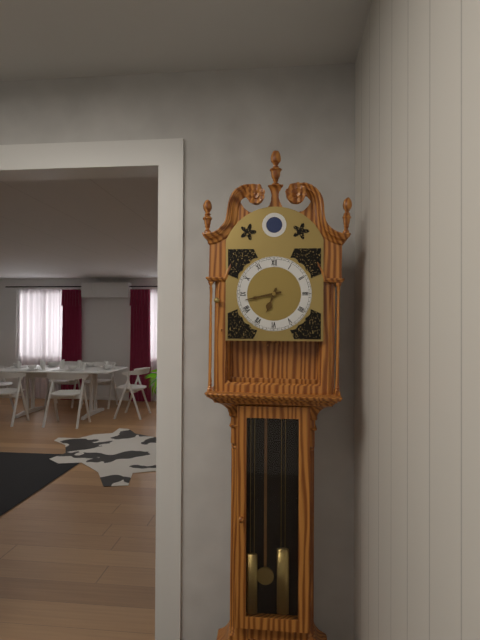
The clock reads 6h43
